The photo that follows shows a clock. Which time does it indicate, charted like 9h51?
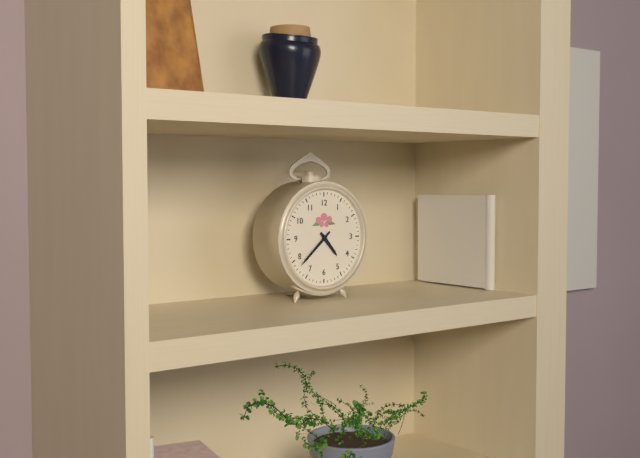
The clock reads 4h38
